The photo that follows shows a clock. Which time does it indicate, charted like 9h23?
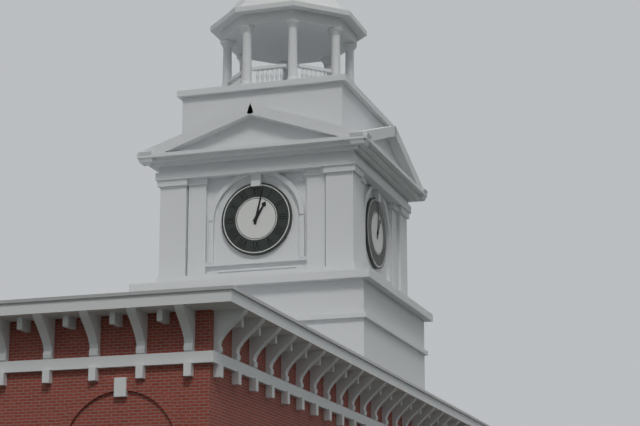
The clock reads 1h02
